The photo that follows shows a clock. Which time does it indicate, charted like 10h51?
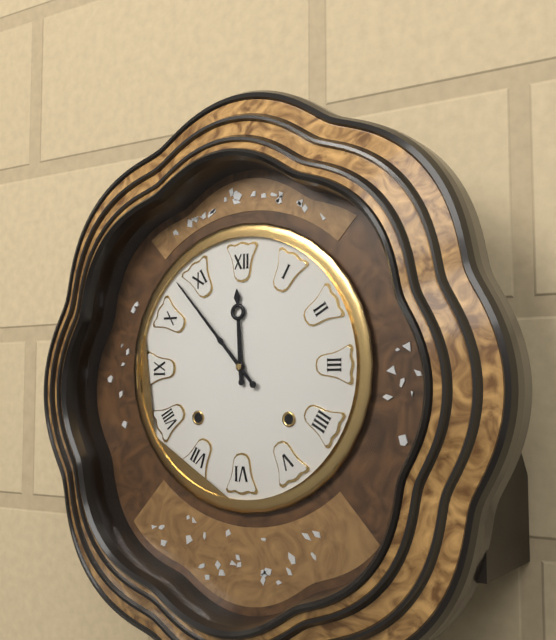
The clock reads 11h53
